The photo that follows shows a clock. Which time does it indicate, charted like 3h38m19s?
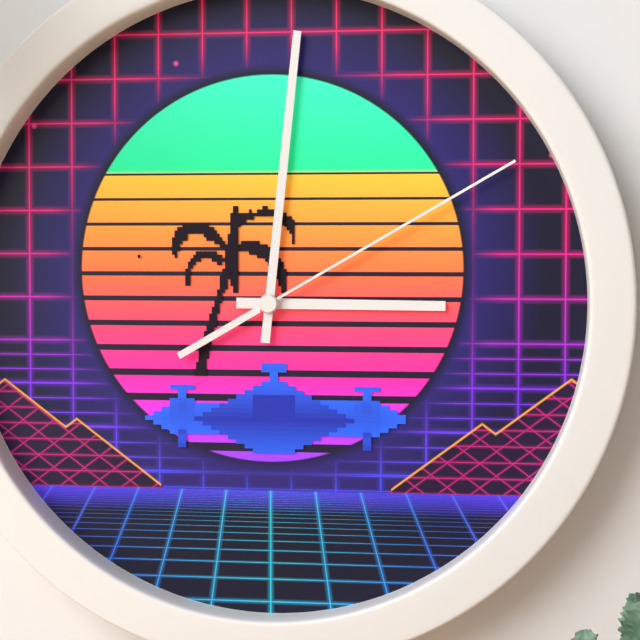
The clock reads 3h01m10s
